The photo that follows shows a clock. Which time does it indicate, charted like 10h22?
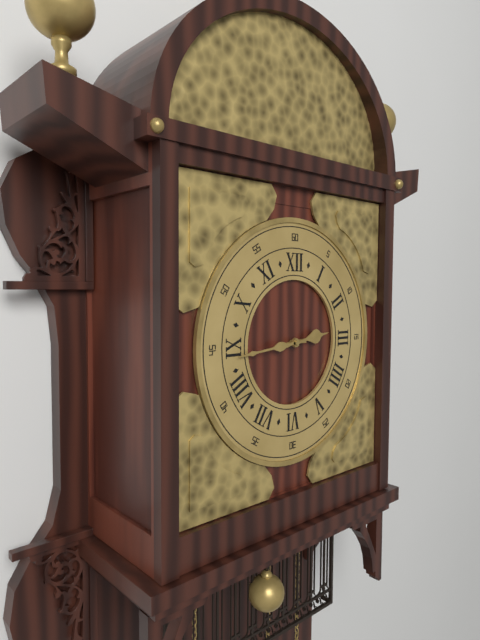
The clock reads 2h44
